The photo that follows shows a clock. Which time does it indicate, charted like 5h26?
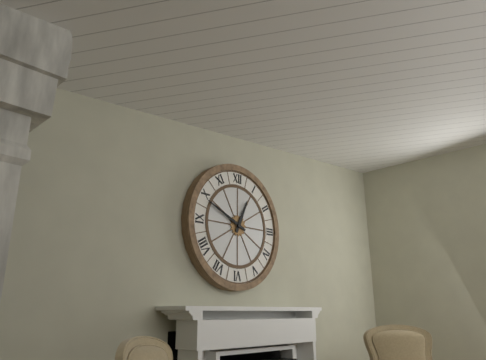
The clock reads 12h49
